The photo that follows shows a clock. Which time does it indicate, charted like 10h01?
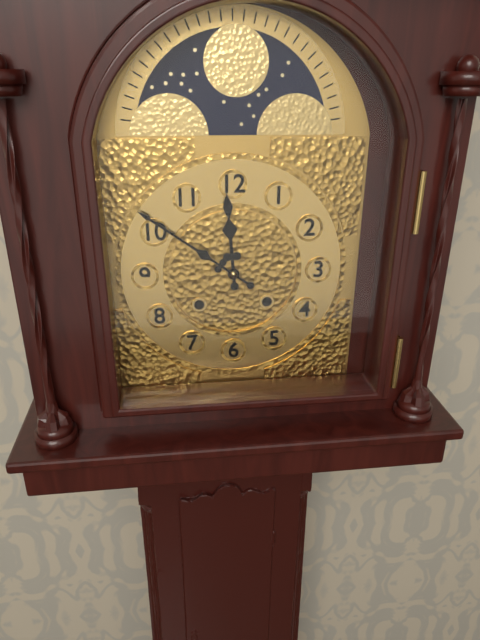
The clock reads 11h51
